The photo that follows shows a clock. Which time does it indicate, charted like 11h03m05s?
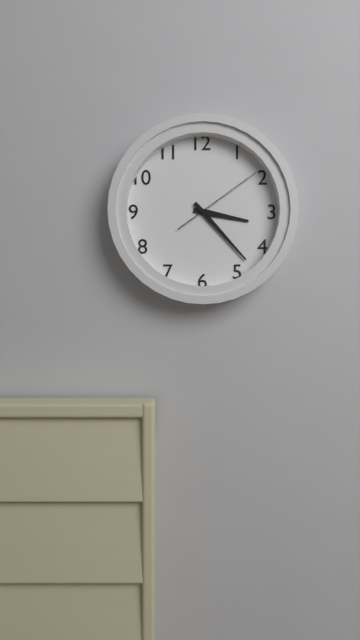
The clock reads 3h23m09s
